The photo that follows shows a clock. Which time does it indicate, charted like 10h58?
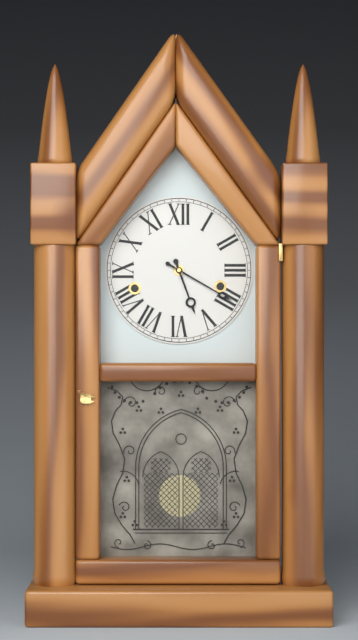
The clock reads 5h20
